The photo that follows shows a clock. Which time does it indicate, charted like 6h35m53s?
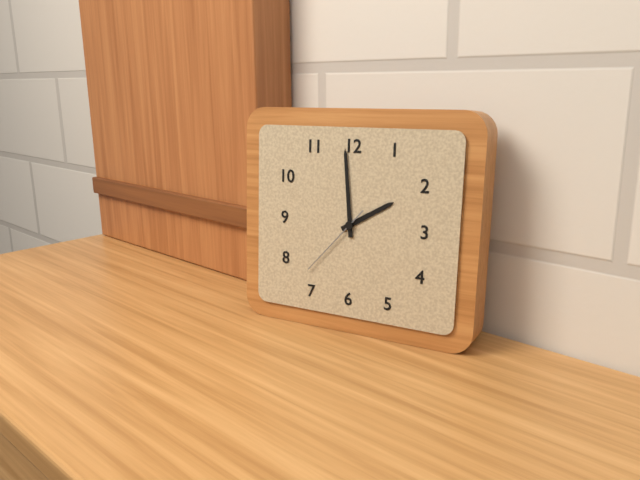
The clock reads 1h59m37s
